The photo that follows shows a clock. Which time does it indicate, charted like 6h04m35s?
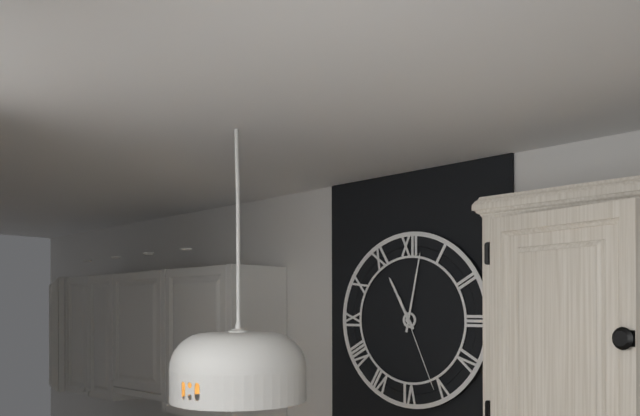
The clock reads 11h02m26s
